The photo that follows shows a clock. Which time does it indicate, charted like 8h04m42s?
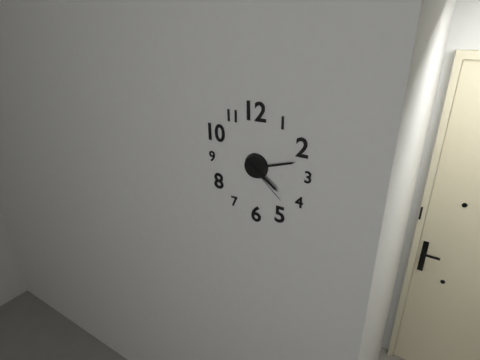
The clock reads 4h12m22s
